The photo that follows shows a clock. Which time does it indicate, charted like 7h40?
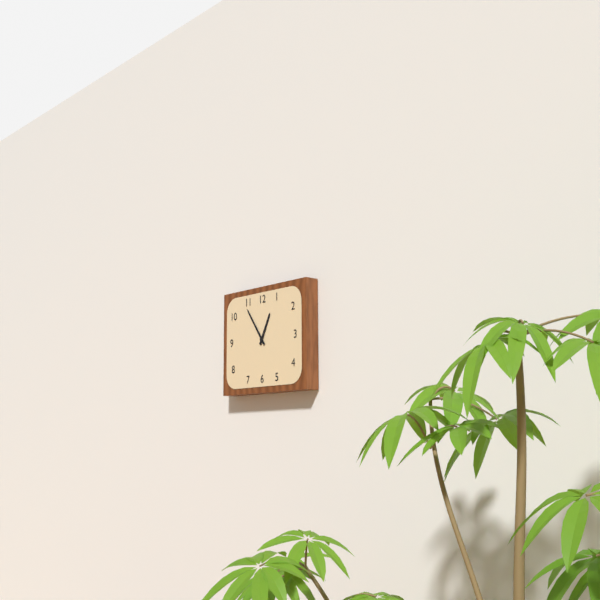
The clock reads 12h54
